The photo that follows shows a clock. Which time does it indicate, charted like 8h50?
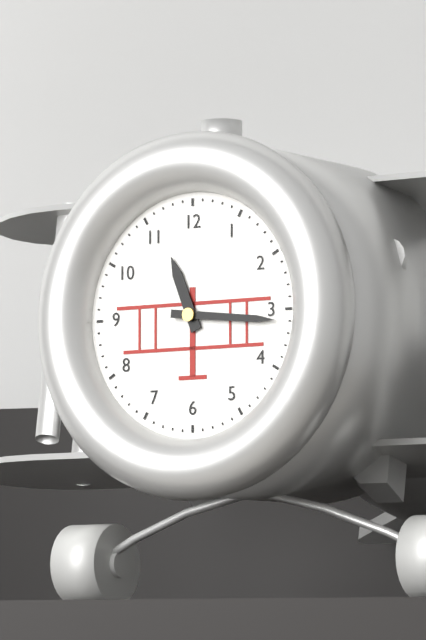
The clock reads 11h16
